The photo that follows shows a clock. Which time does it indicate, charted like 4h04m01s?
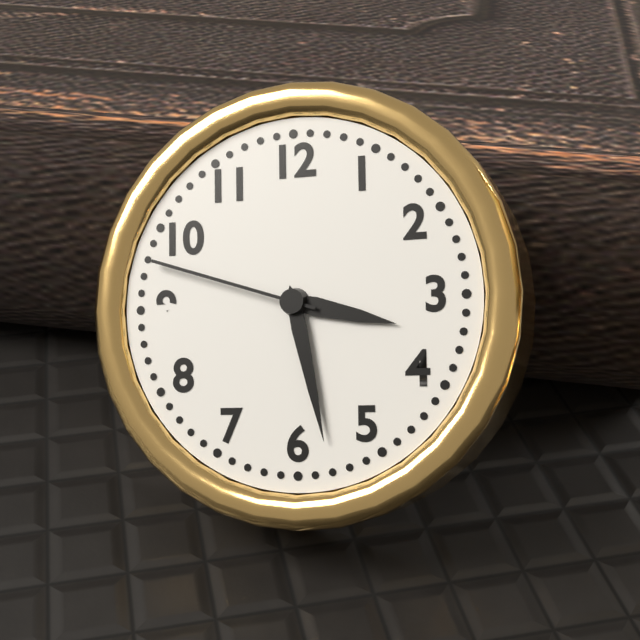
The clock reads 3h28m48s
